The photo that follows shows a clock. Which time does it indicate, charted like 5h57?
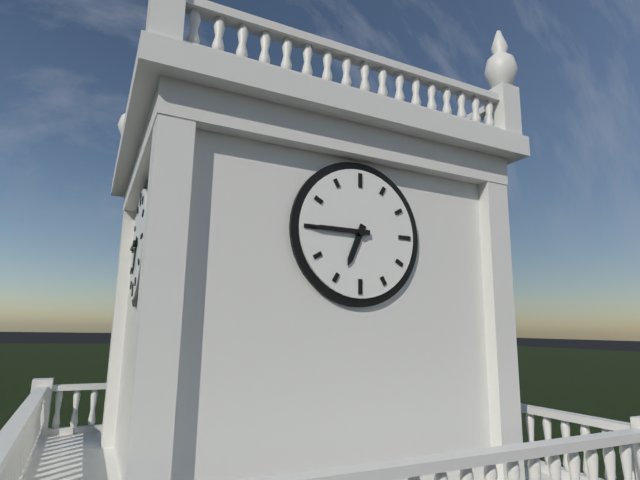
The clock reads 6h45
